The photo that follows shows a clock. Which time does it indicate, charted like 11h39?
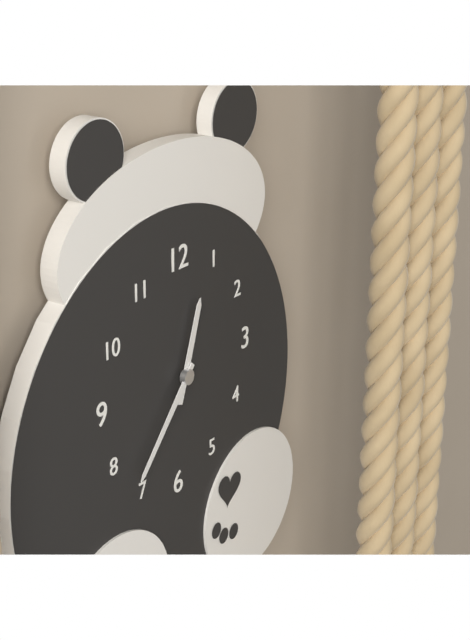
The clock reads 12h37
